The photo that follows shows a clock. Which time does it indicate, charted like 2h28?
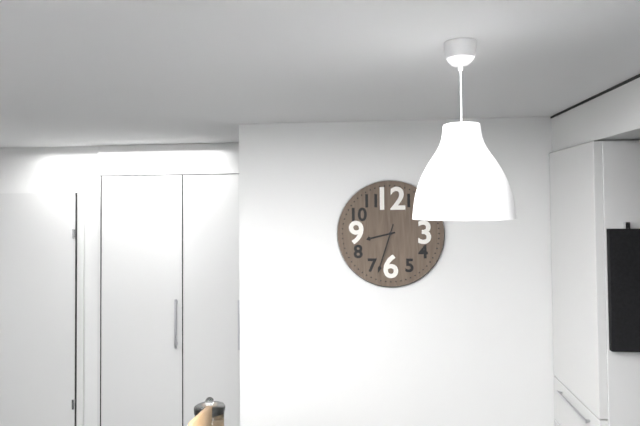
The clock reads 8h33
